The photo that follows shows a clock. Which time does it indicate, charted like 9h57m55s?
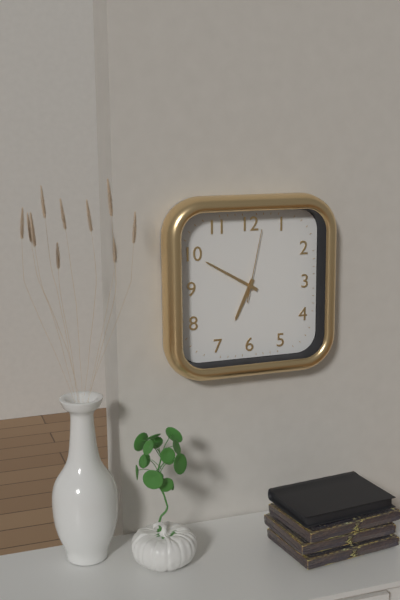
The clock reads 6h50m02s
